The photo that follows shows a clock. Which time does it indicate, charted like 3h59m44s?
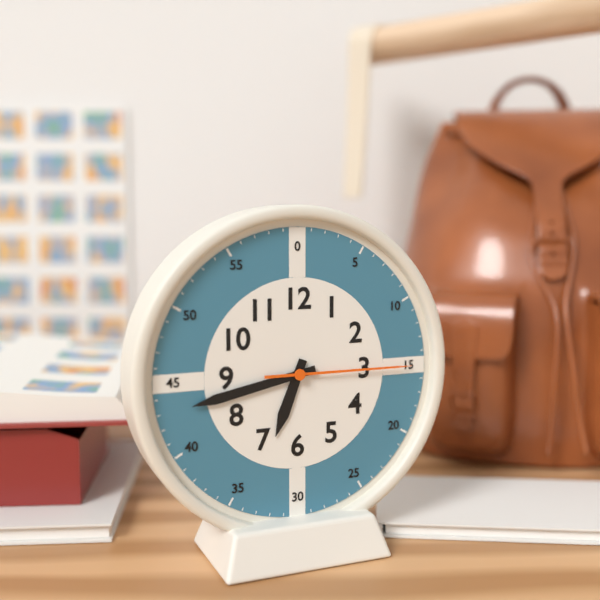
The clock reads 6h43m15s
